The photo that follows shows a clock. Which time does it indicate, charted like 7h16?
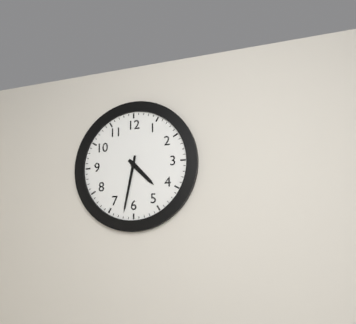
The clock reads 4h32
